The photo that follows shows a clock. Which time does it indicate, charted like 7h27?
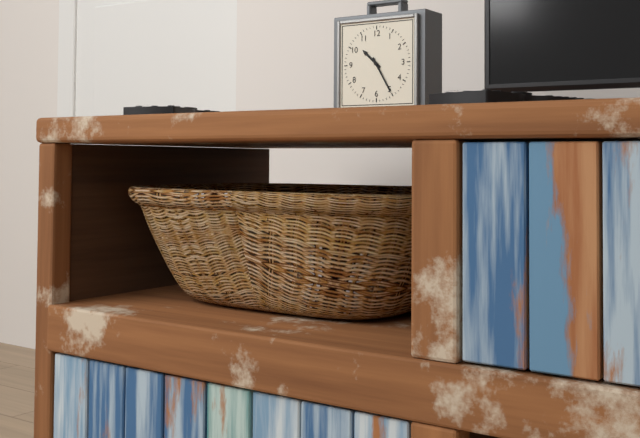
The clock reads 10h25
